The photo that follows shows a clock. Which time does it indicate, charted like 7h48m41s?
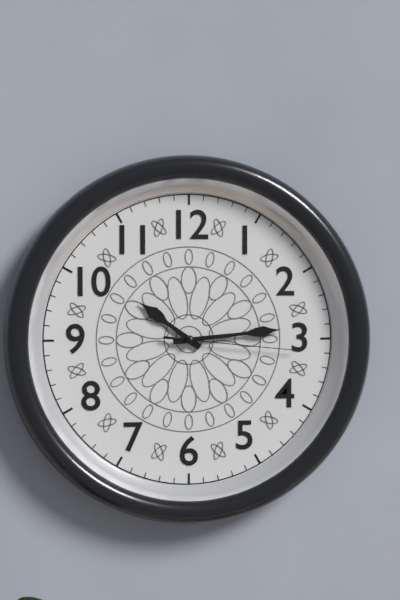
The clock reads 10h14m16s
